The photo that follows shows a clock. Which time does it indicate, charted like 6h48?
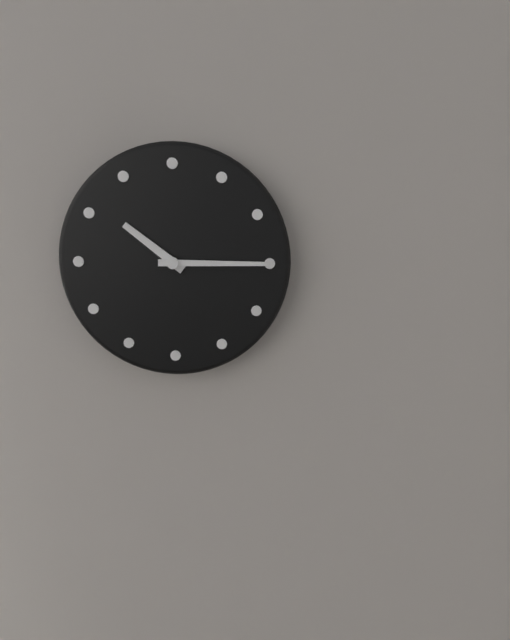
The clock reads 10h15
